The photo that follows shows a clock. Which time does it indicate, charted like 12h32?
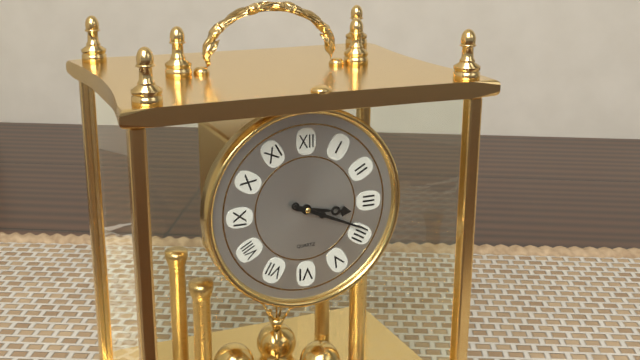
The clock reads 3h19
